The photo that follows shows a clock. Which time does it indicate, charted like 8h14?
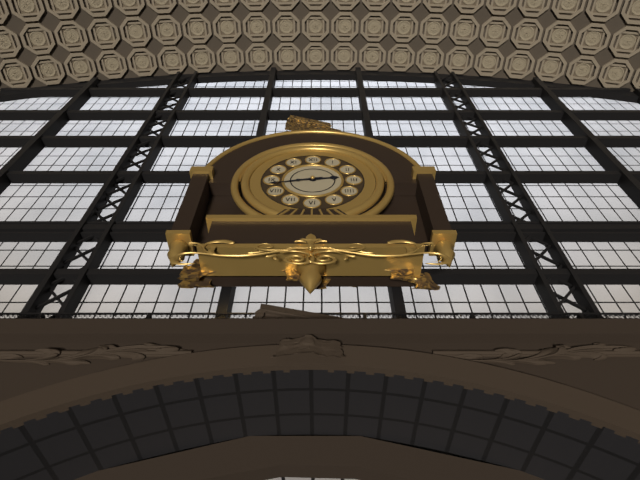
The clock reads 2h43
